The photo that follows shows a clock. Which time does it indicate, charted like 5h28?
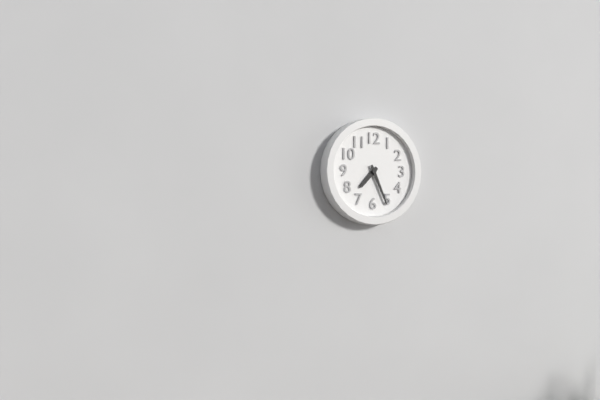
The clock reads 7h26
